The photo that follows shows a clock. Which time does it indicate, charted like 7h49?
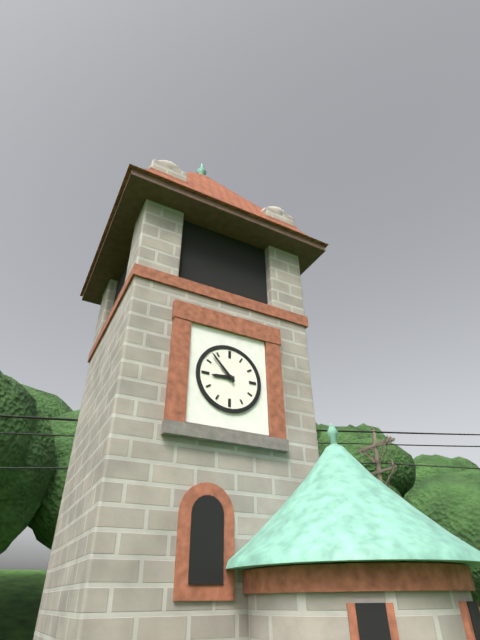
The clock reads 8h53
